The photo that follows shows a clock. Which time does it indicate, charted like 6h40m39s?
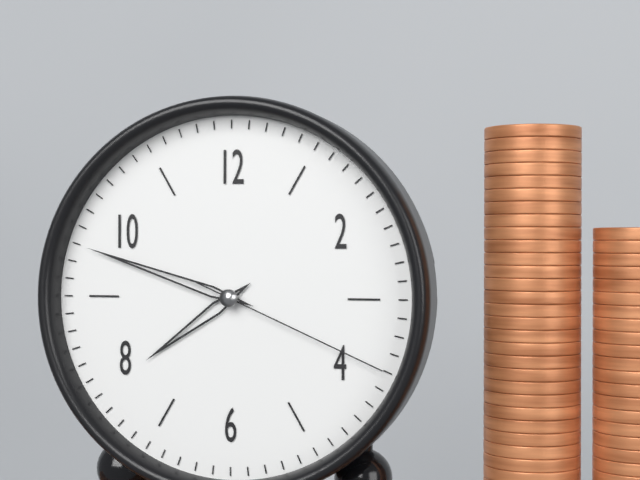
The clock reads 7h48m19s
